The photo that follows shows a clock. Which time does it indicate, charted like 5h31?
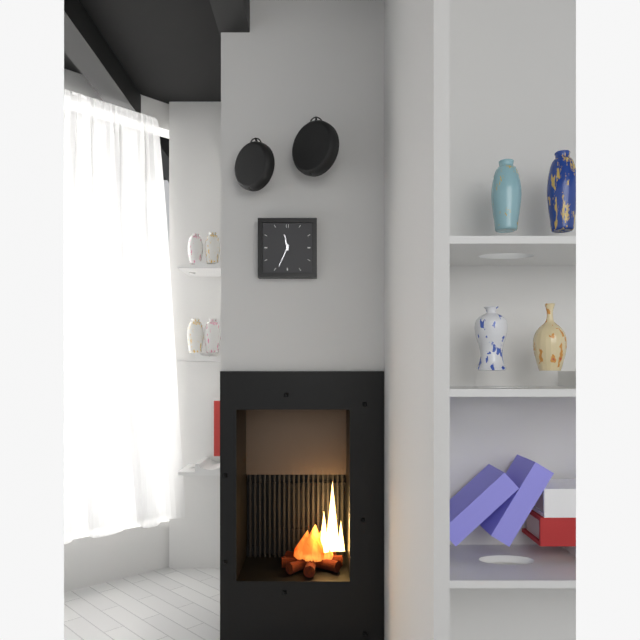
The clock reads 11h34
